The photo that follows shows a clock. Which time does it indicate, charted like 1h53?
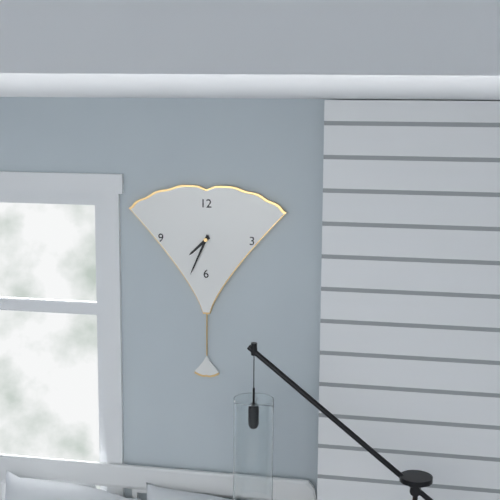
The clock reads 7h34
